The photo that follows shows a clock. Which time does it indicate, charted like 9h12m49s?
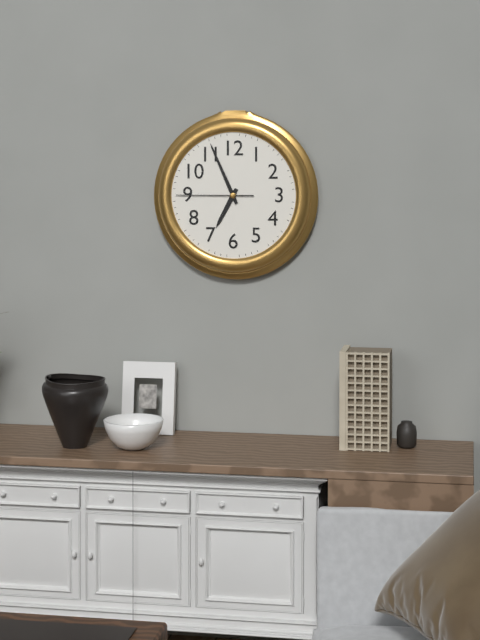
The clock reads 6h56m45s
